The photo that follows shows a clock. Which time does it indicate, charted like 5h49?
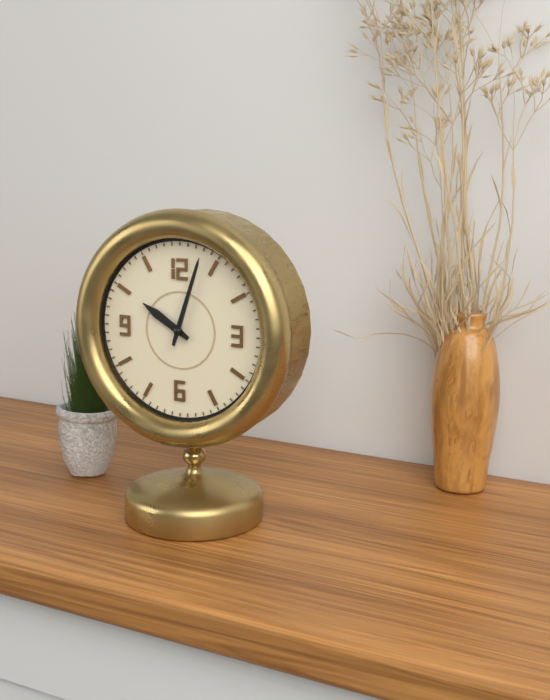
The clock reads 10h03
